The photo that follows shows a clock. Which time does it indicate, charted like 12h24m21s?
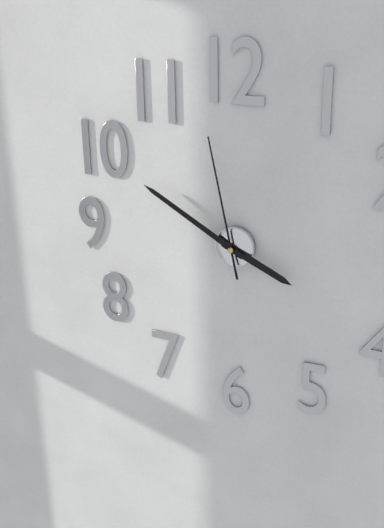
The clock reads 3h50m58s
